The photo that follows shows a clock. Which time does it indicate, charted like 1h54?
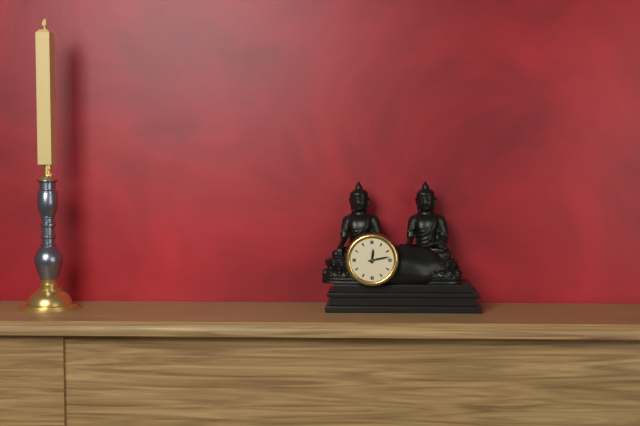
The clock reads 12h13
